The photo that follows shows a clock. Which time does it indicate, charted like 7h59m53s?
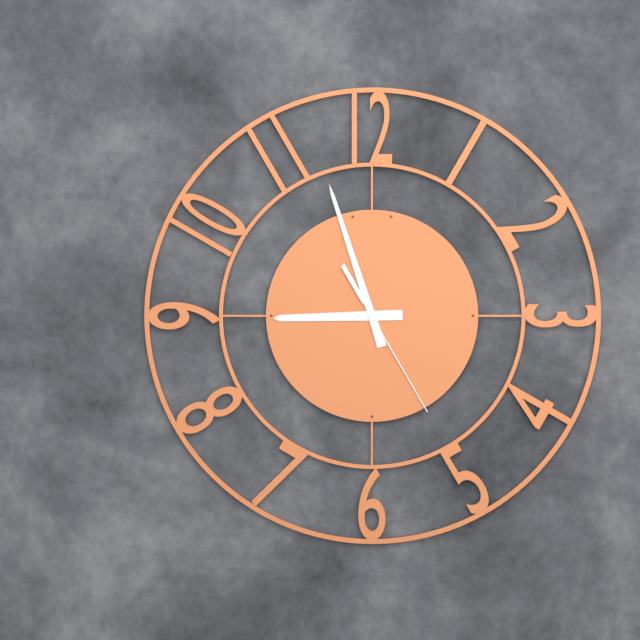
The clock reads 8h57m25s
